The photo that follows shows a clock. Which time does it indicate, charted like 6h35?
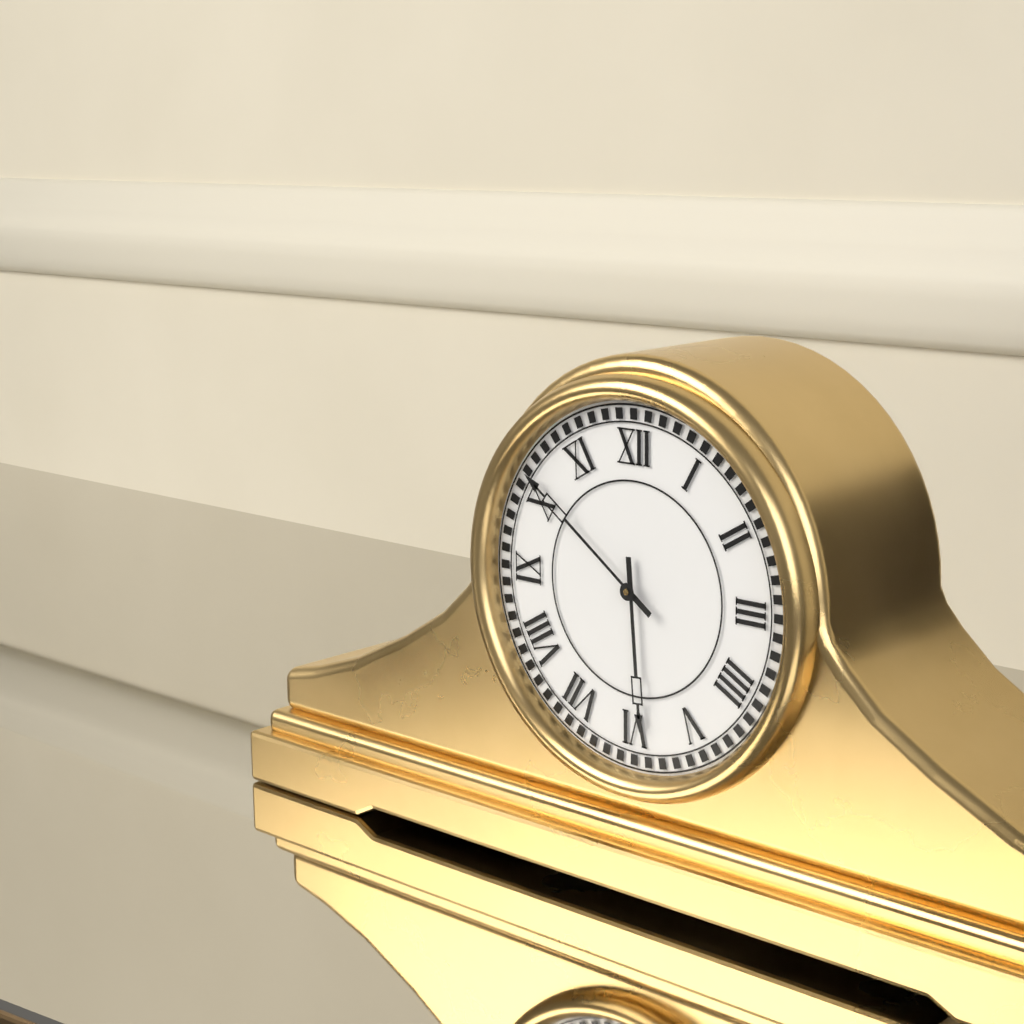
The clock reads 5h51
